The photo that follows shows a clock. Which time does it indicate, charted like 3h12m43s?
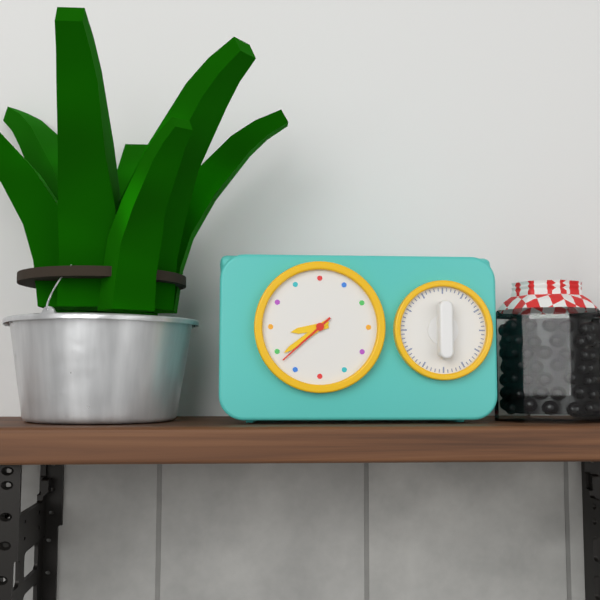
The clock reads 8h39m38s
